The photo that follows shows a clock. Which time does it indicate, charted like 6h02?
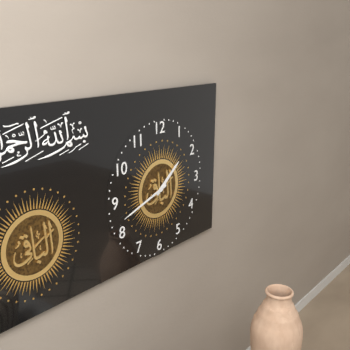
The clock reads 1h42
